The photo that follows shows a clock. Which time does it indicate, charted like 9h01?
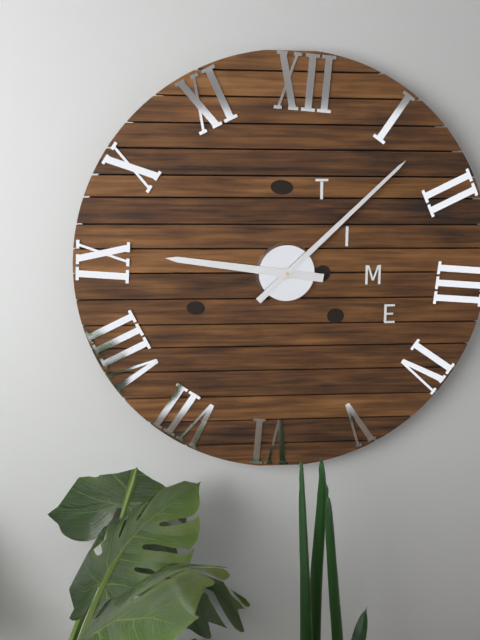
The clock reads 9h07
